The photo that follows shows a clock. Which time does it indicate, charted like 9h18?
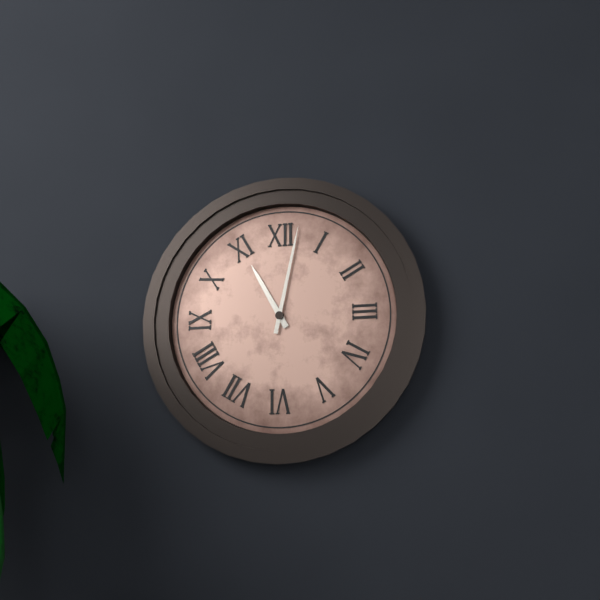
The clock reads 11h02
